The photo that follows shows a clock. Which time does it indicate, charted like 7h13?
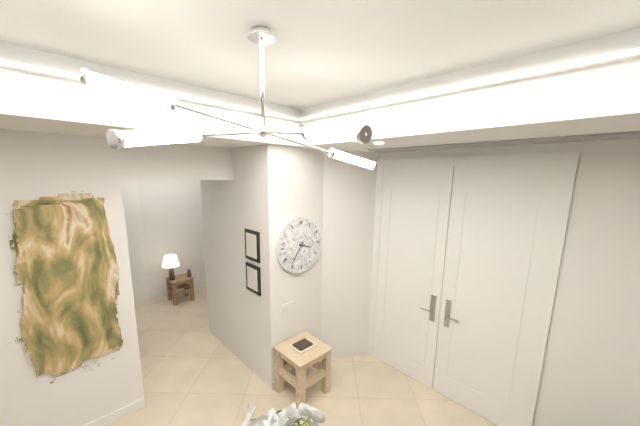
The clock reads 3h36
